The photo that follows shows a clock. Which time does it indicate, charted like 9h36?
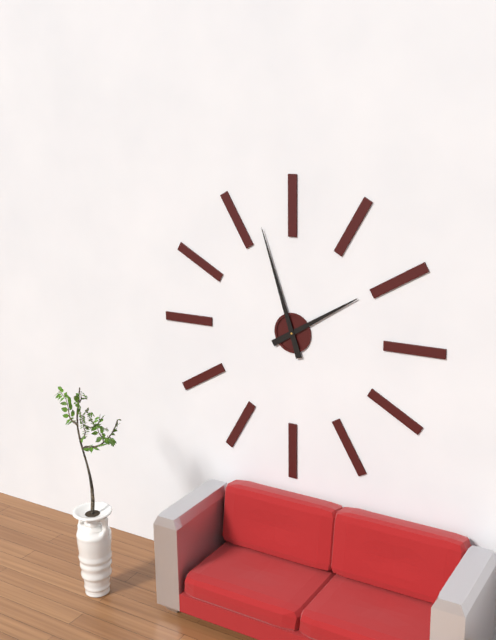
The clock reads 1h57
